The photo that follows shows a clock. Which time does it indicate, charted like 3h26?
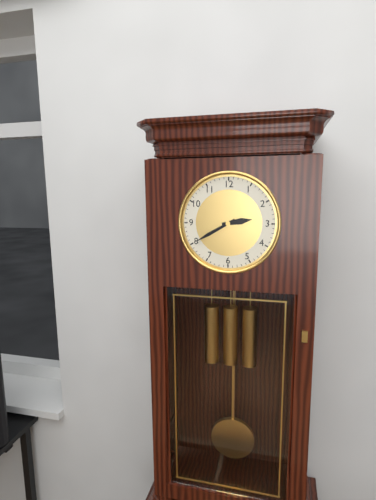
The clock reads 2h40
